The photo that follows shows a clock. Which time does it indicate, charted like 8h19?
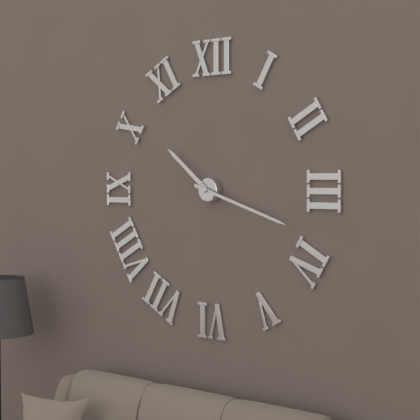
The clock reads 10h18
